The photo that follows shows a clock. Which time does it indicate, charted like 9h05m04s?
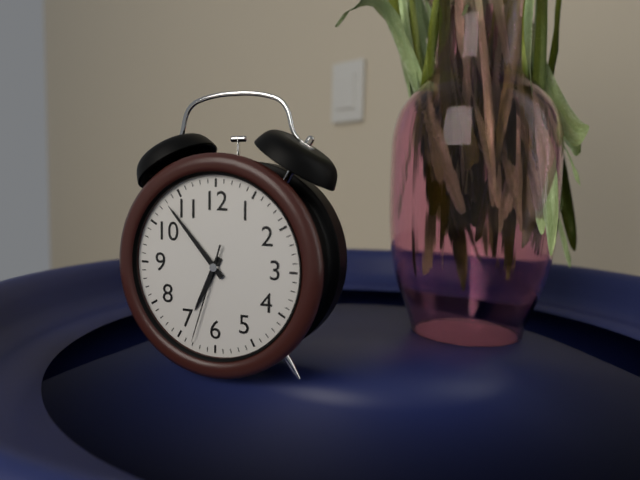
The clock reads 6h53m33s
